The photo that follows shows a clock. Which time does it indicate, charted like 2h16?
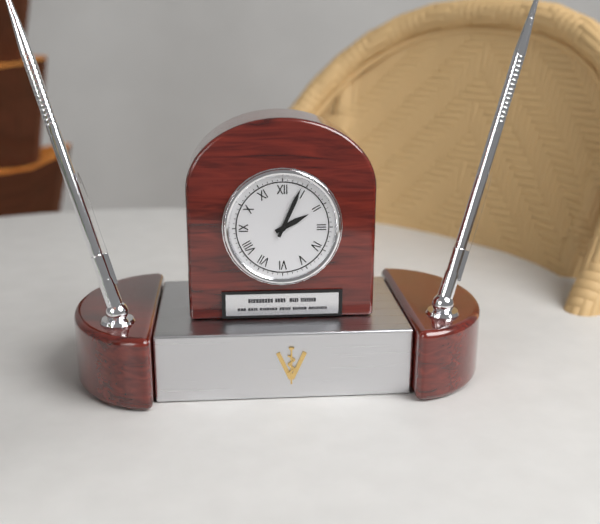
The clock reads 2h04
